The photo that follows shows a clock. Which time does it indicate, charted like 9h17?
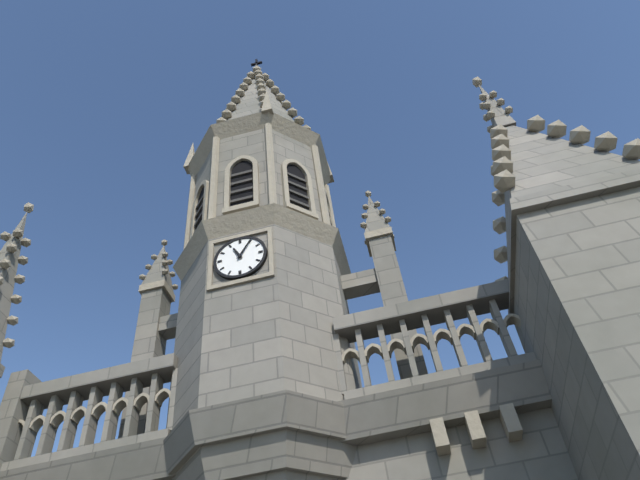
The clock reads 11h05
